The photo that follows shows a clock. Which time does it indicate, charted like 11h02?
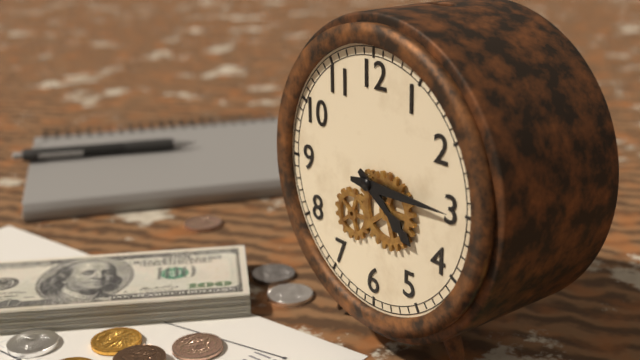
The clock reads 4h15
